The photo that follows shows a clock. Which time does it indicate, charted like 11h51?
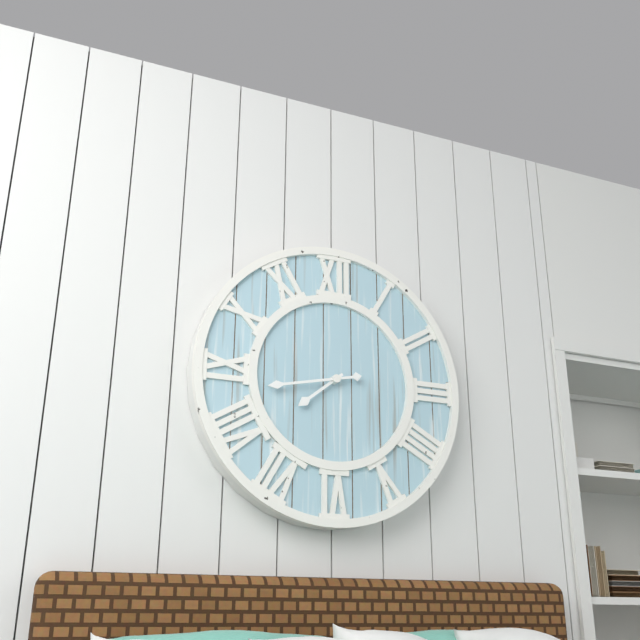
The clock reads 7h43
